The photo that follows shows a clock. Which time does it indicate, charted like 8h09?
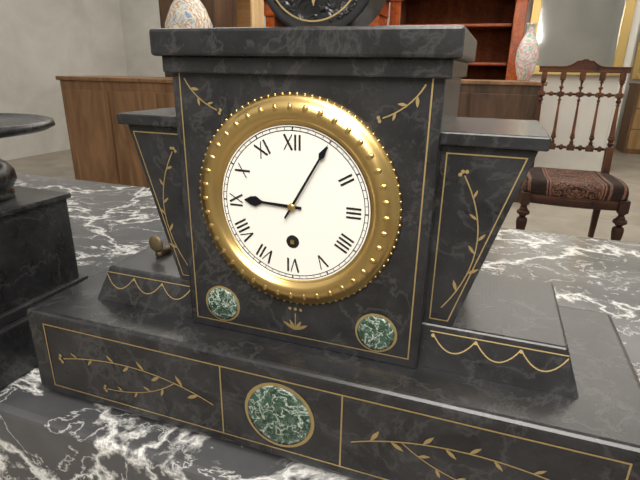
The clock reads 9h05
